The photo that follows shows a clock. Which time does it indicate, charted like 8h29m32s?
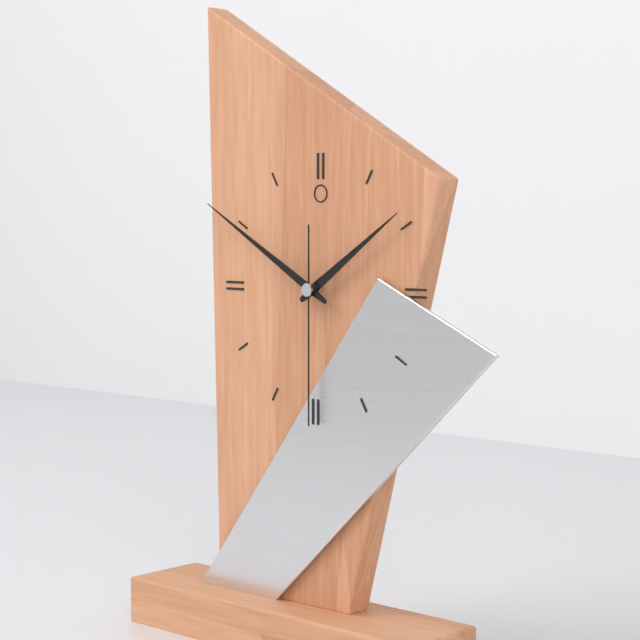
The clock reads 1h50m30s
